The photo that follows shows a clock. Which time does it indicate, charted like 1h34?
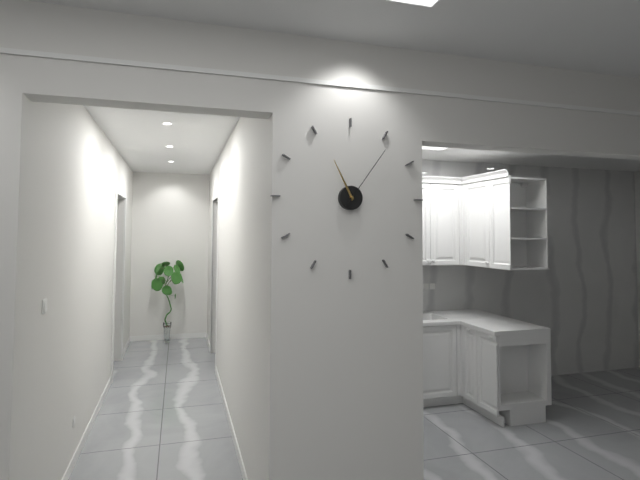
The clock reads 11h06
